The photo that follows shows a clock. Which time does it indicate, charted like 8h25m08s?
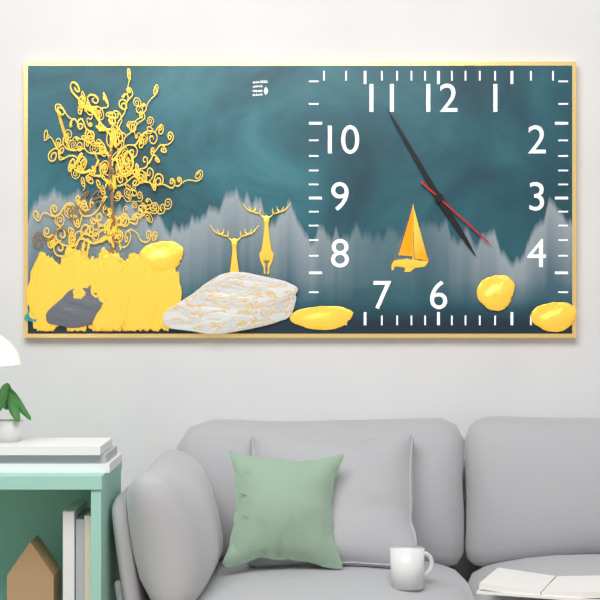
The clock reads 4h55m22s
